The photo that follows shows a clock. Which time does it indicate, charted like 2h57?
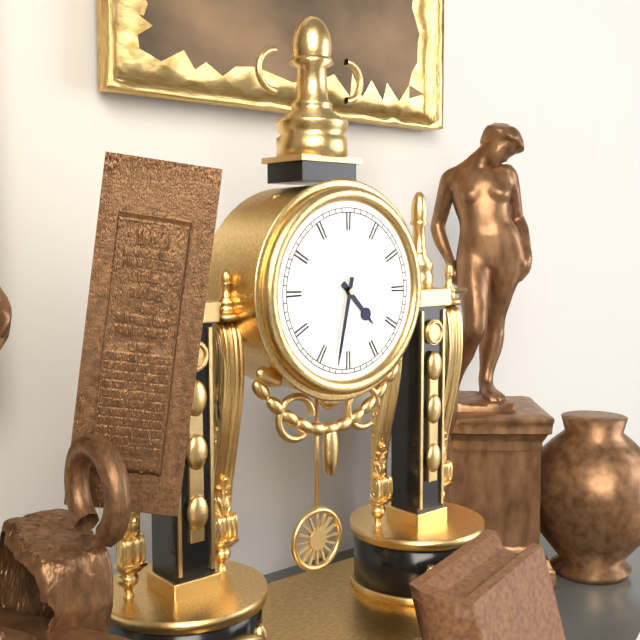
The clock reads 4h32
